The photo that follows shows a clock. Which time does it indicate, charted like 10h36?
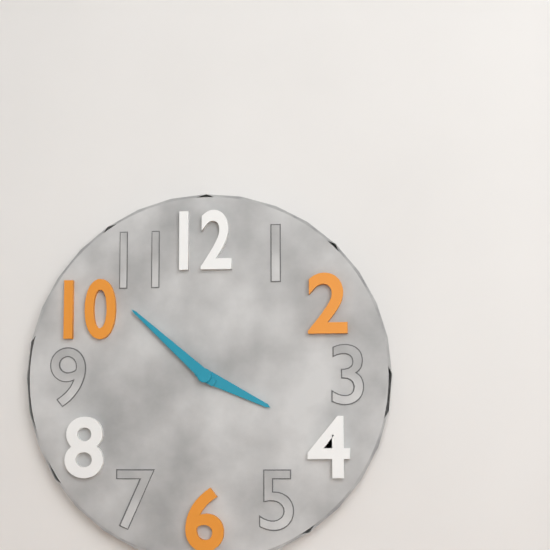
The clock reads 3h52
